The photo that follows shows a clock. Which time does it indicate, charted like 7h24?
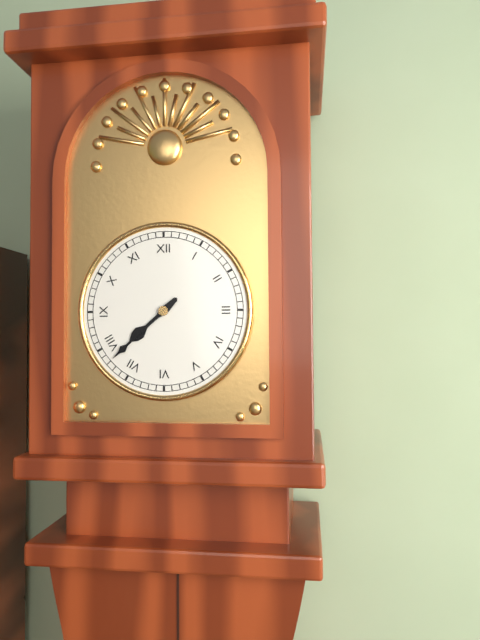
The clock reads 7h38
